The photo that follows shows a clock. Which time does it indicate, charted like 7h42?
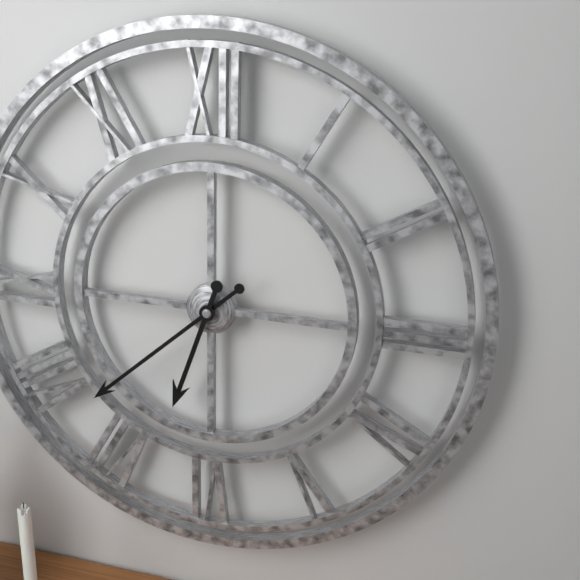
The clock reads 6h38
